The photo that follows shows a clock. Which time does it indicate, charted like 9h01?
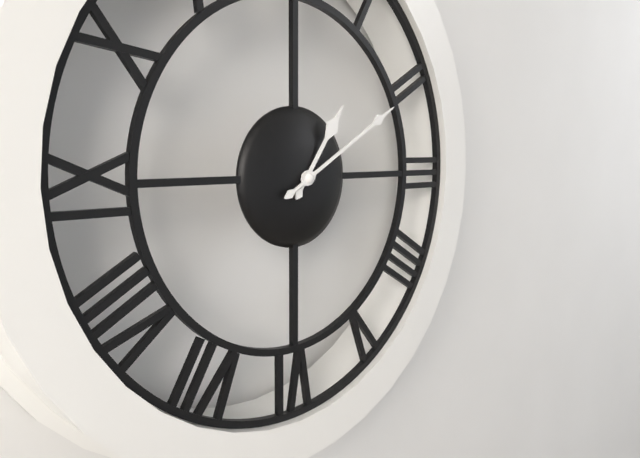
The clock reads 1h10
